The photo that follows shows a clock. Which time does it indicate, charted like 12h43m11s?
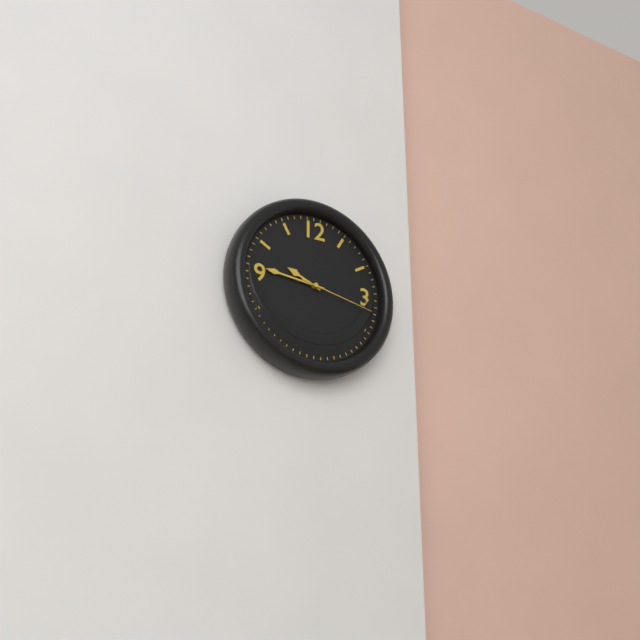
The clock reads 9h46m17s
